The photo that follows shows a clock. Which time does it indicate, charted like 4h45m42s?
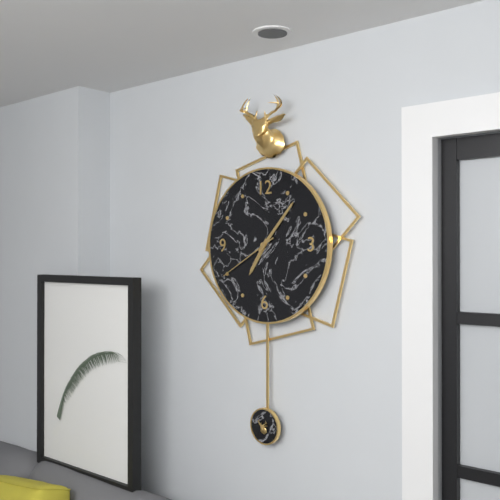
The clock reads 7h07m40s
